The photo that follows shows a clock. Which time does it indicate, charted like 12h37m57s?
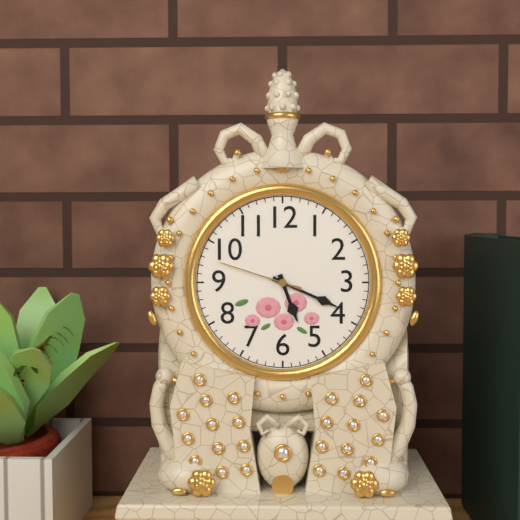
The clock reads 5h19m48s
